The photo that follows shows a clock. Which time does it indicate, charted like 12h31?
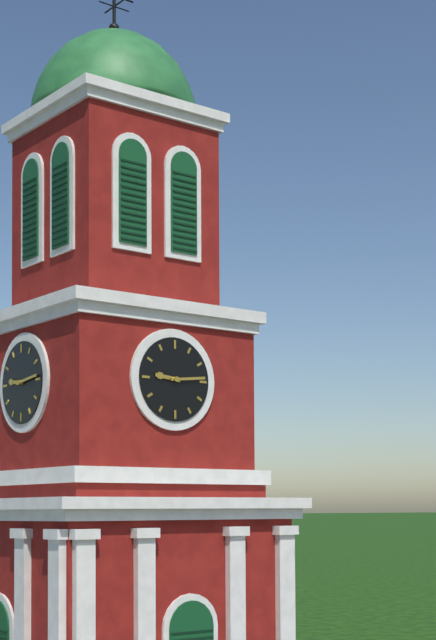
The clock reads 9h14
